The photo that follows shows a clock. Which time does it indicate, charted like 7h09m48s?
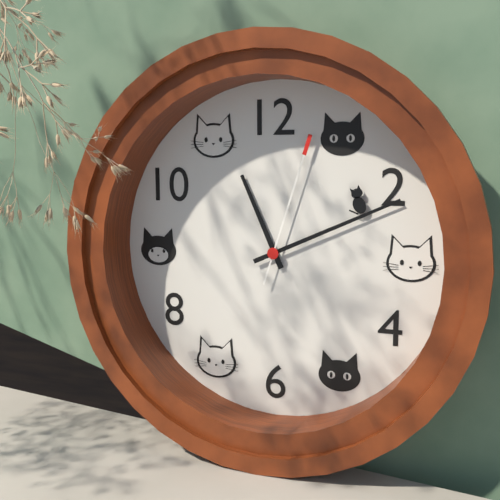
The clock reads 11h11m03s
